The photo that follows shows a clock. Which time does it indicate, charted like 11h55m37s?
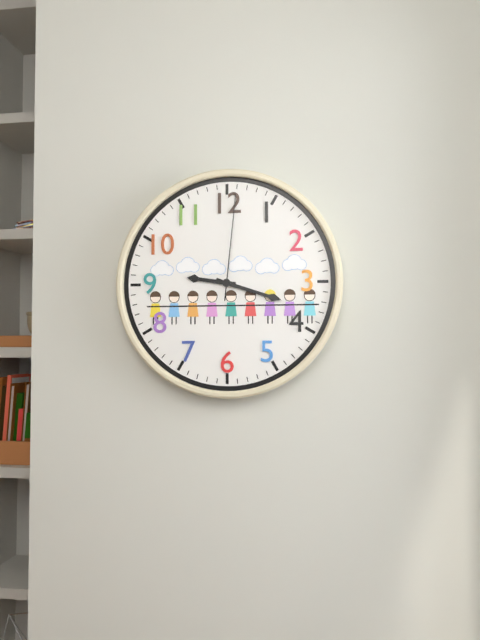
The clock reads 9h18m01s
